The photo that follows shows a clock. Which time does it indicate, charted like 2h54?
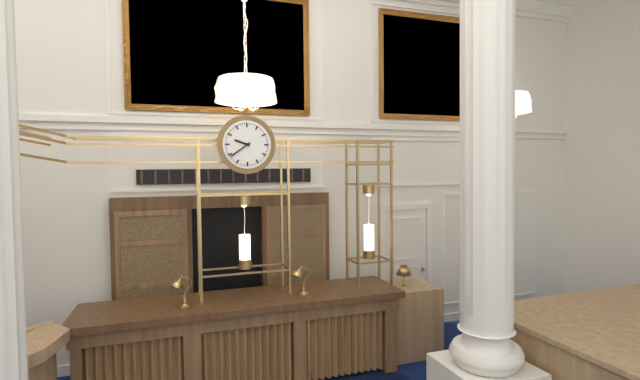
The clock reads 9h39
